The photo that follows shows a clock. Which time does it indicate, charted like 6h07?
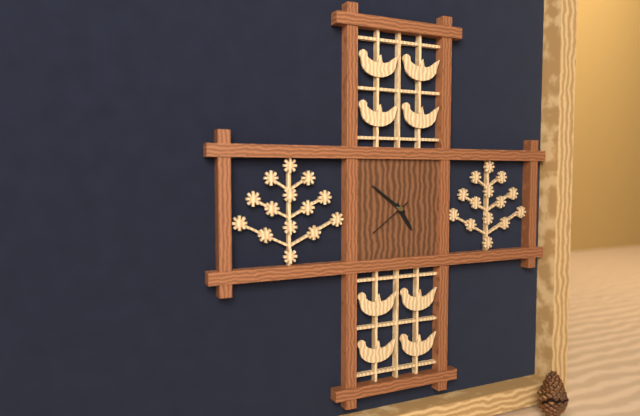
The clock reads 4h51
